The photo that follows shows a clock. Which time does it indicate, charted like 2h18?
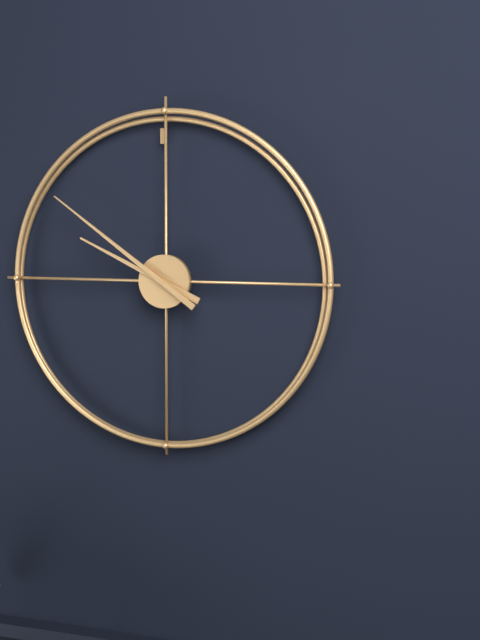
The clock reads 9h51
